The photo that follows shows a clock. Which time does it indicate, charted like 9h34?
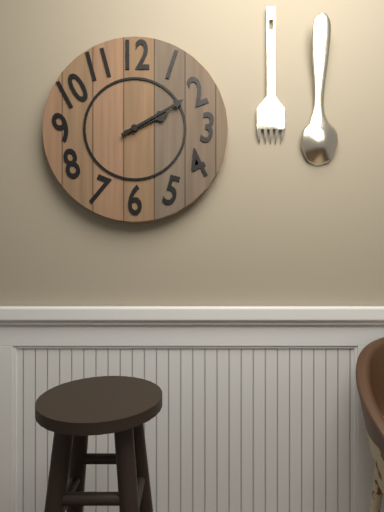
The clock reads 2h10
